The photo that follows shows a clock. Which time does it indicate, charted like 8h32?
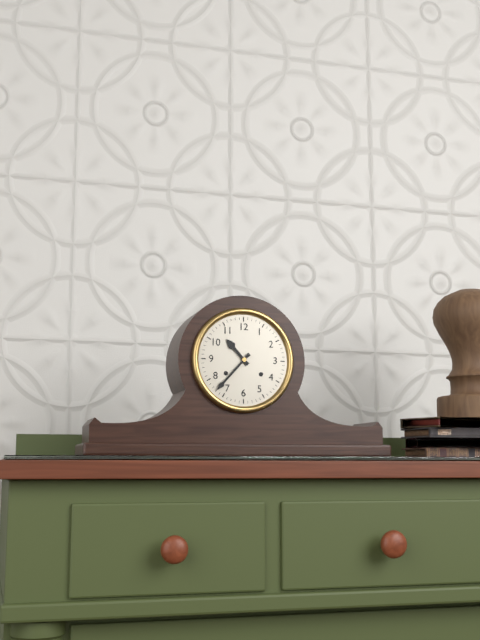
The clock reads 10h37
